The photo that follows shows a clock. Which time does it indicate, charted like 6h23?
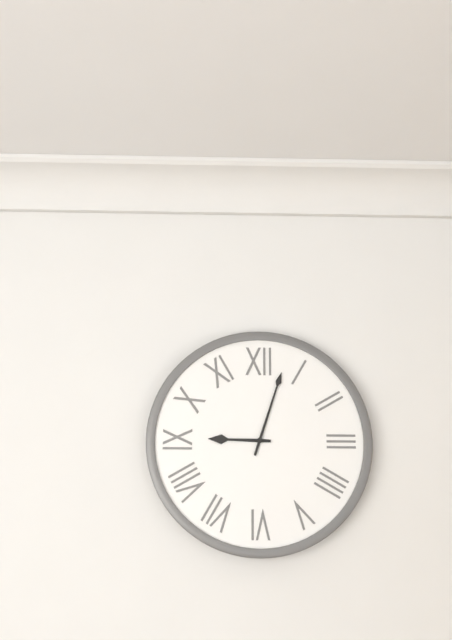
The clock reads 9h03
